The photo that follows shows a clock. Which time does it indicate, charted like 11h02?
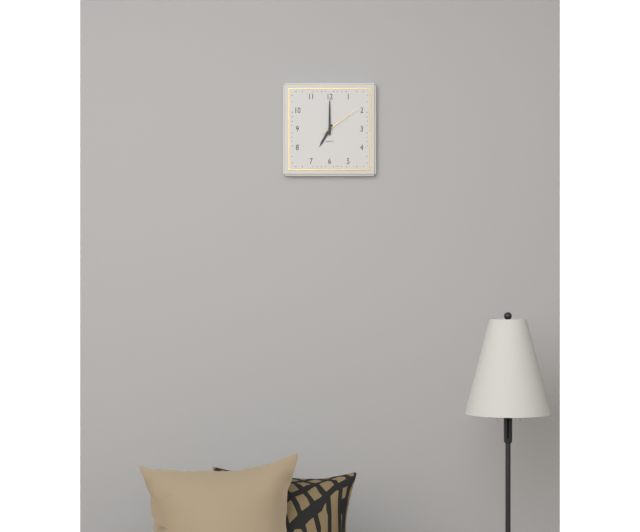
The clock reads 7h00
